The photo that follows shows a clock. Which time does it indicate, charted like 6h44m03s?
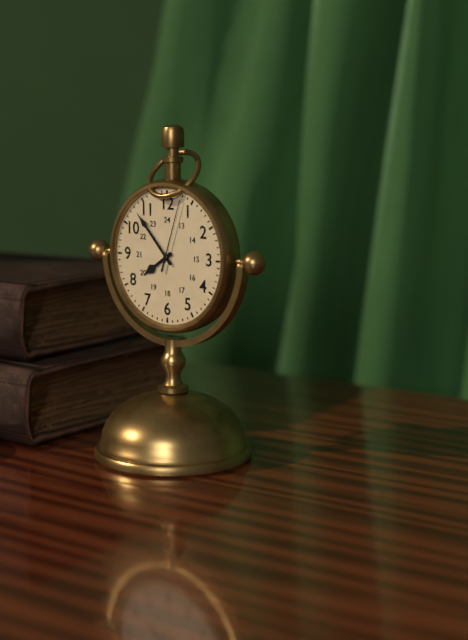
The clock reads 7h53m03s
